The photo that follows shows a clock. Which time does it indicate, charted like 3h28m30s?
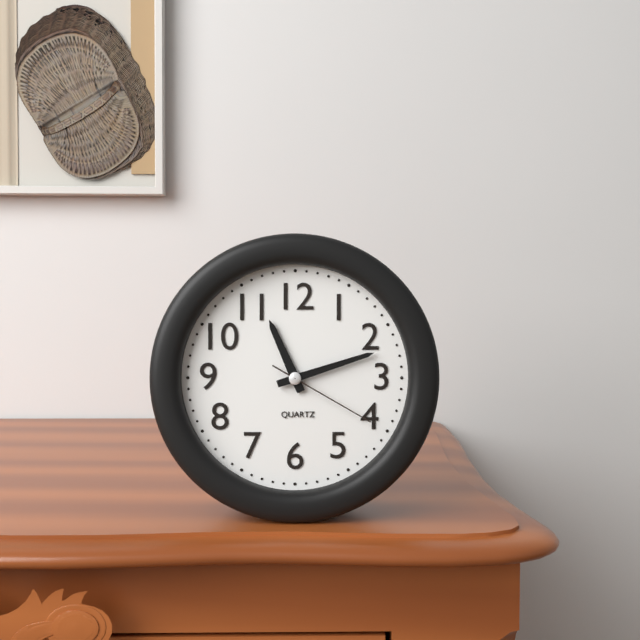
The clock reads 11h12m20s
